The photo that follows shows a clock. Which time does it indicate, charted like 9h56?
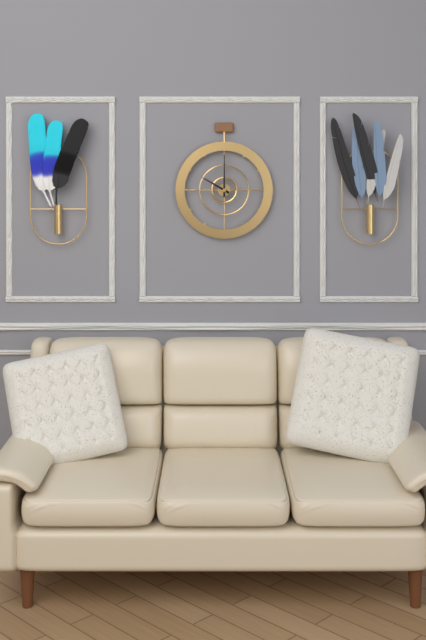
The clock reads 10h00
